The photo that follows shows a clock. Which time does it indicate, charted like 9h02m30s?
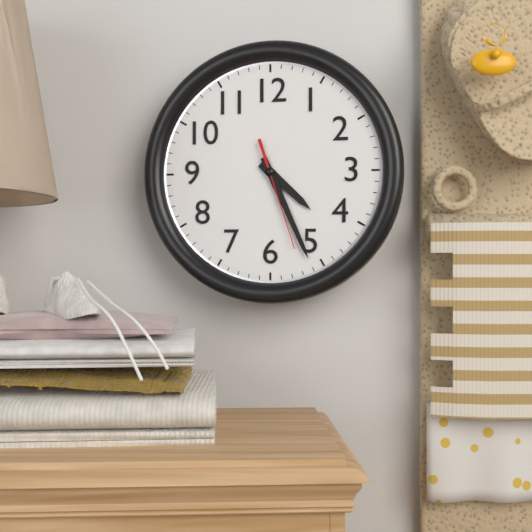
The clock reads 4h26m27s
